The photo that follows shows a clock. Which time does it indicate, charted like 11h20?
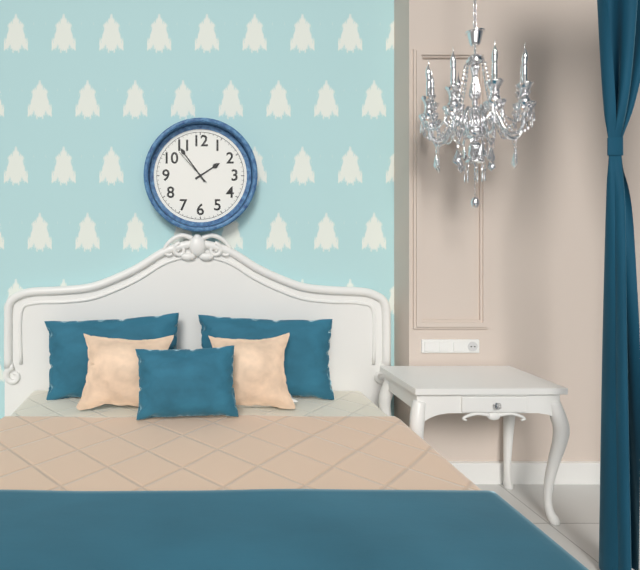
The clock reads 1h54
